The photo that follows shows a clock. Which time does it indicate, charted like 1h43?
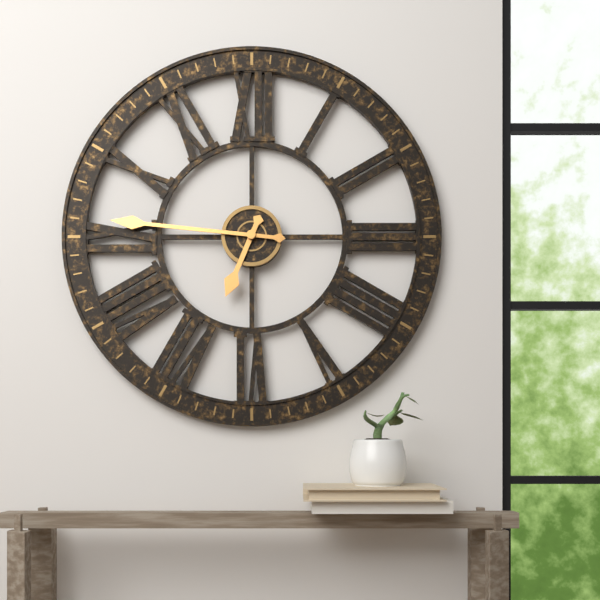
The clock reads 6h46
